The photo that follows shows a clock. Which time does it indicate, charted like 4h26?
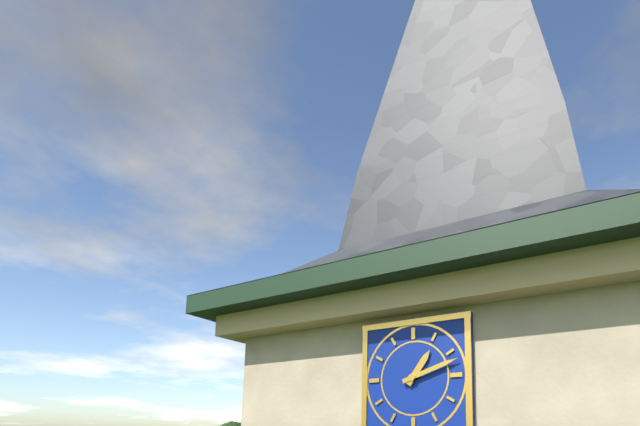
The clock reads 1h12
